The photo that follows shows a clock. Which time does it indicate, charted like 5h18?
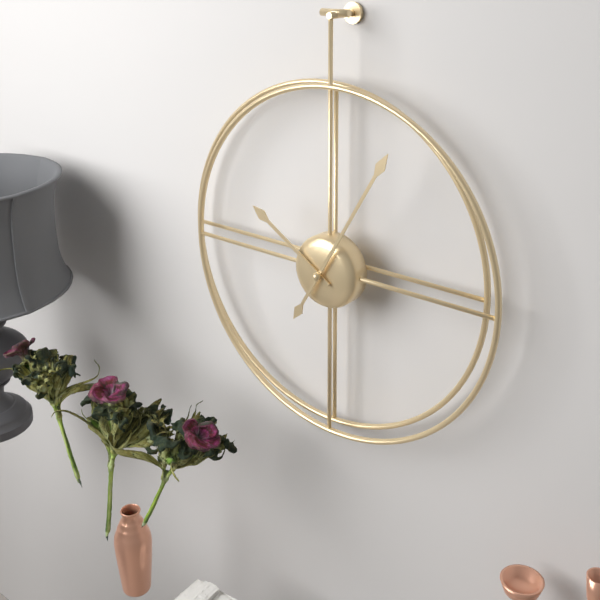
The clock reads 10h05
